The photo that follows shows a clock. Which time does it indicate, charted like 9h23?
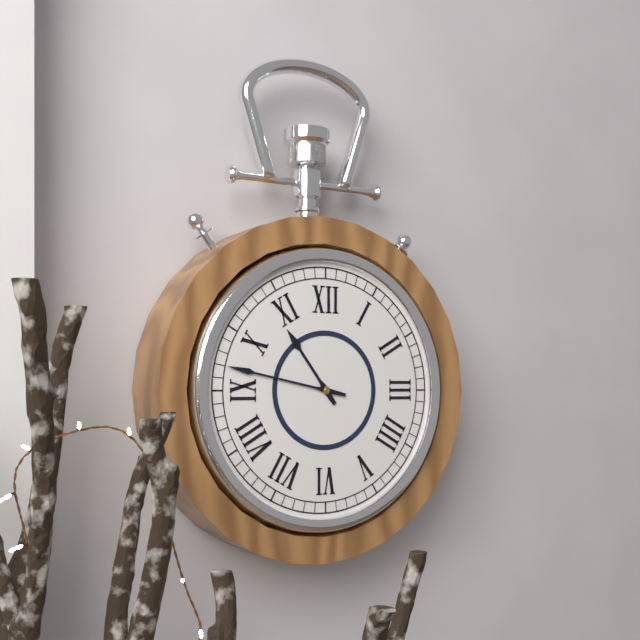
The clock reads 10h47
